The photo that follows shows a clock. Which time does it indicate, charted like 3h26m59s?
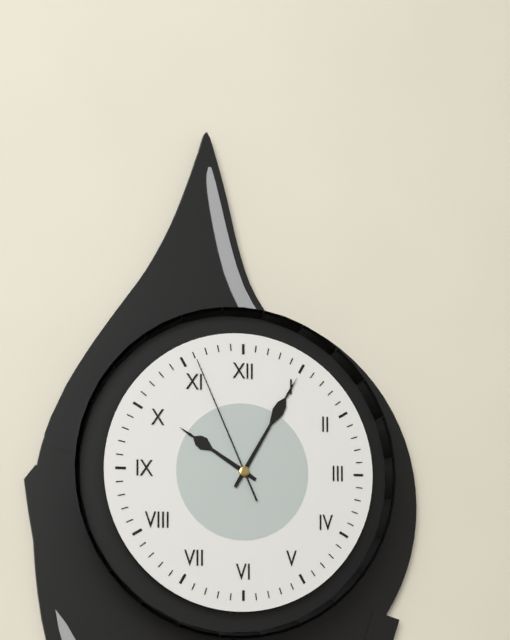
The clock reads 10h05m56s
